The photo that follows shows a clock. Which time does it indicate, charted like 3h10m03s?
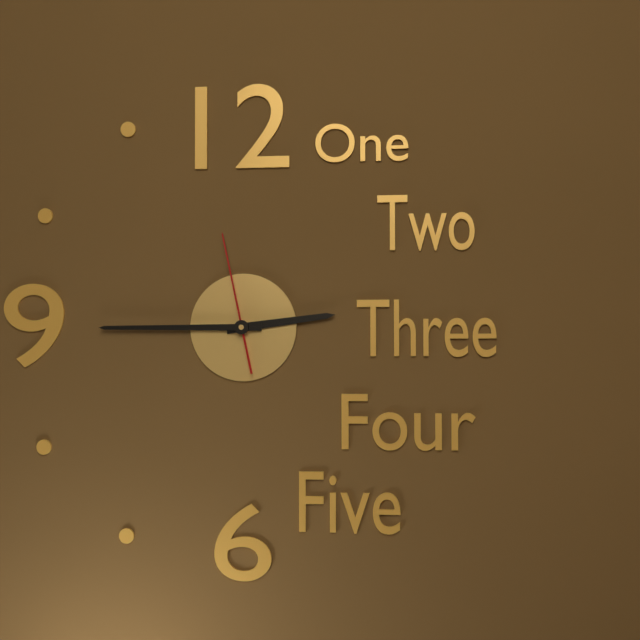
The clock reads 2h45m58s
